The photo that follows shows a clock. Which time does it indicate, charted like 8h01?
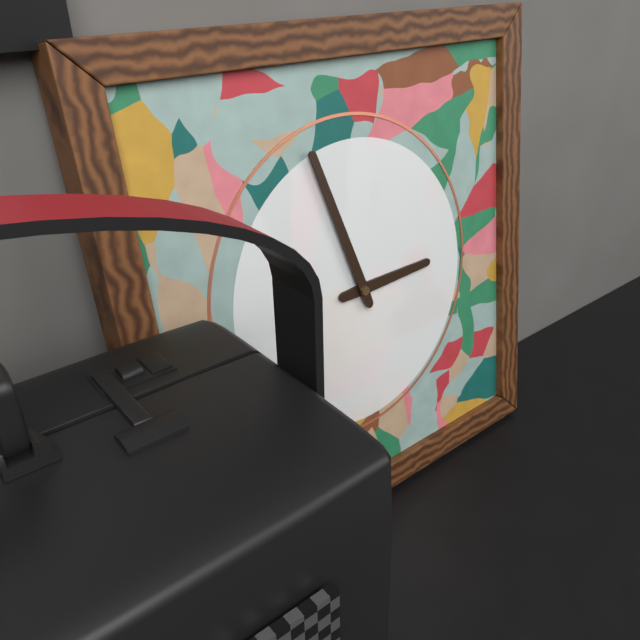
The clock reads 2h57
